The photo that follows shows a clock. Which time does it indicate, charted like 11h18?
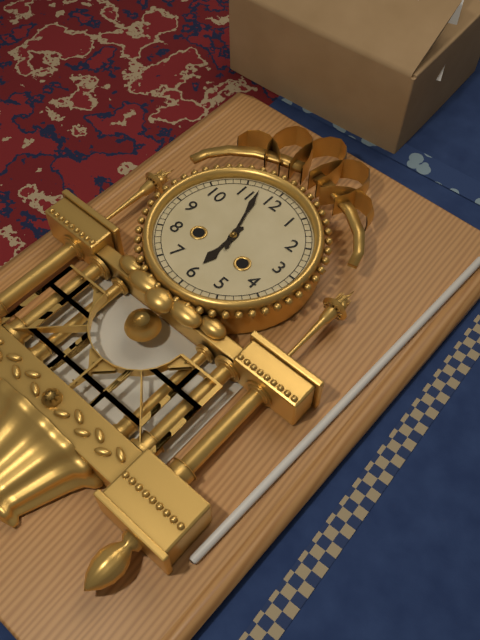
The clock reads 5h57
